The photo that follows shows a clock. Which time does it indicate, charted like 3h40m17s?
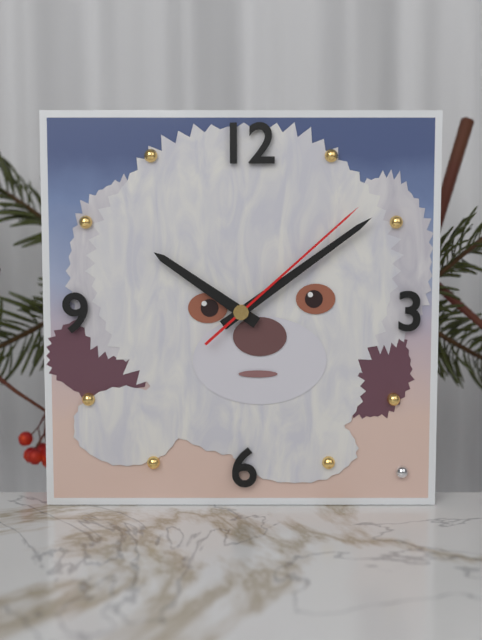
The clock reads 10h09m08s
